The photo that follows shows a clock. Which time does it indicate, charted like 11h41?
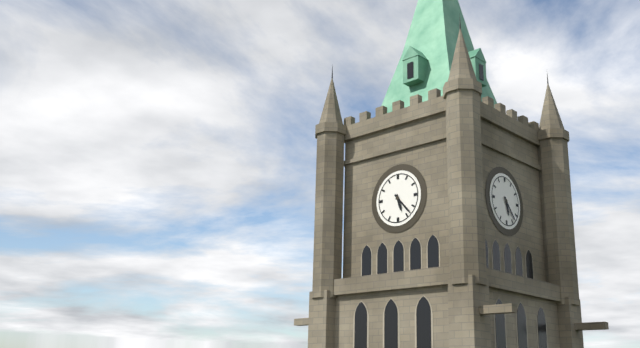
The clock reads 5h23
